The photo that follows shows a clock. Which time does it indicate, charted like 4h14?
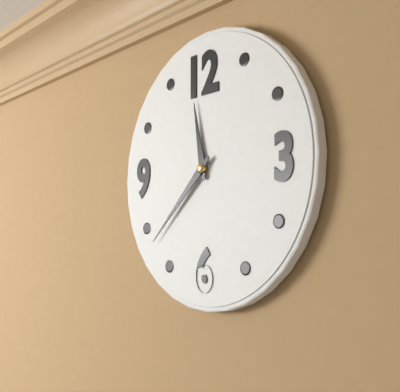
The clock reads 11h38
